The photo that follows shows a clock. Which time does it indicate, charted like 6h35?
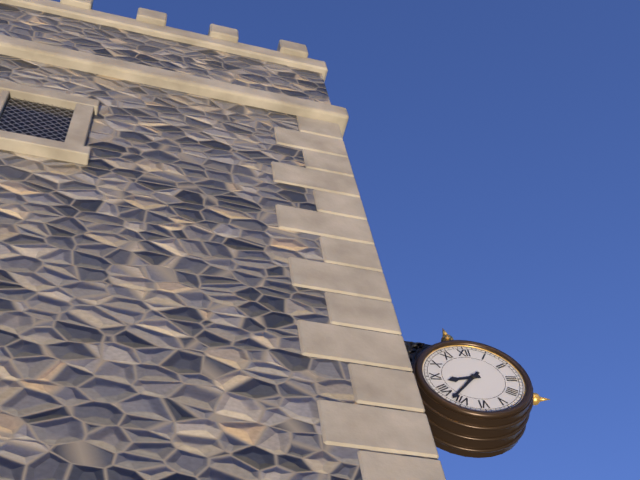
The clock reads 8h37
